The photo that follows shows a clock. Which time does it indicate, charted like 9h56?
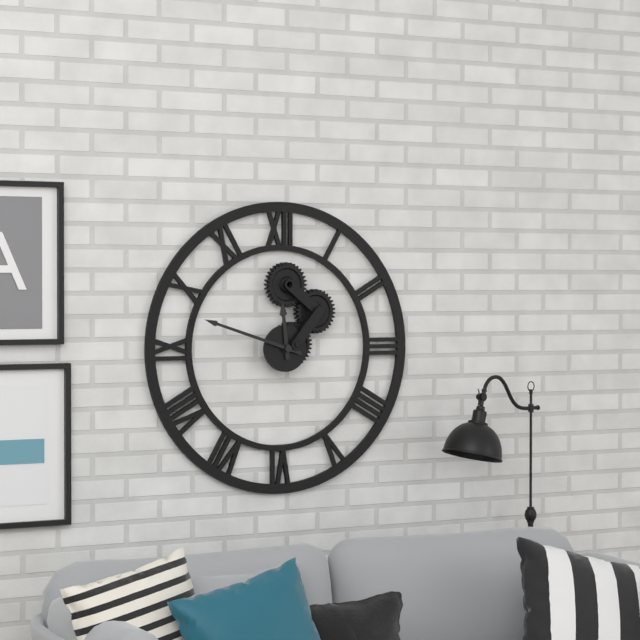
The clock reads 11h48
